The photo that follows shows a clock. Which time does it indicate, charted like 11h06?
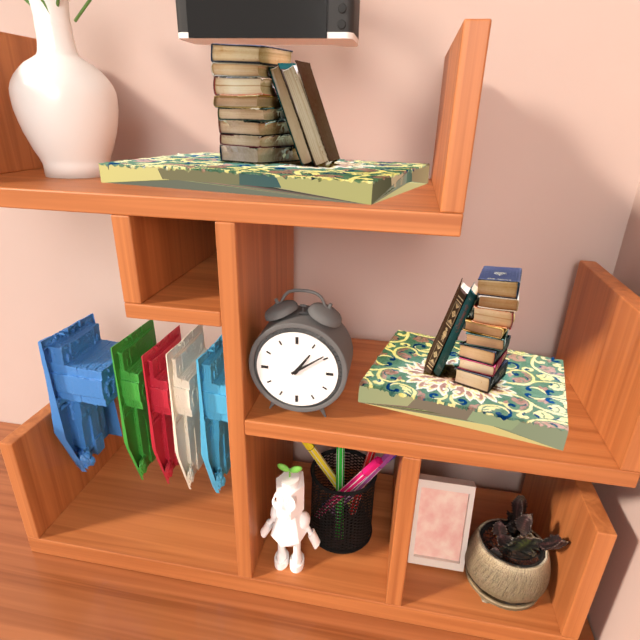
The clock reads 1h09
